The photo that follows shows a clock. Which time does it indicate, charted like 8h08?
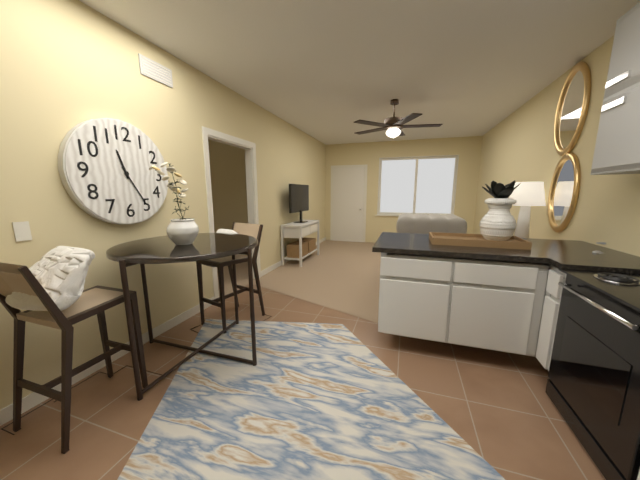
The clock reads 11h25
